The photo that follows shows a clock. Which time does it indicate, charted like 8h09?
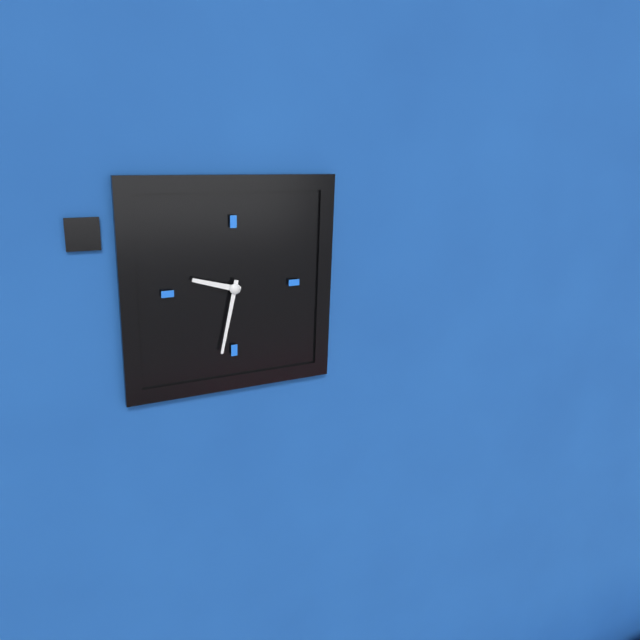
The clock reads 9h32
